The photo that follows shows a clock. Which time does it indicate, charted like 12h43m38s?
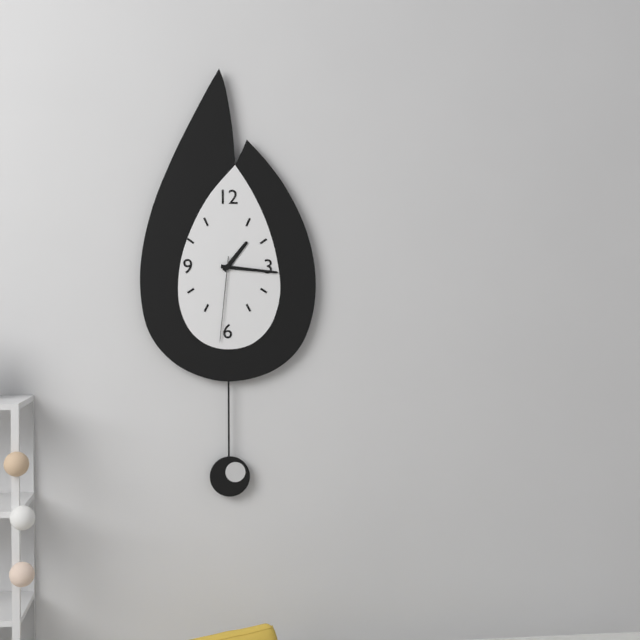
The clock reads 1h16m31s
